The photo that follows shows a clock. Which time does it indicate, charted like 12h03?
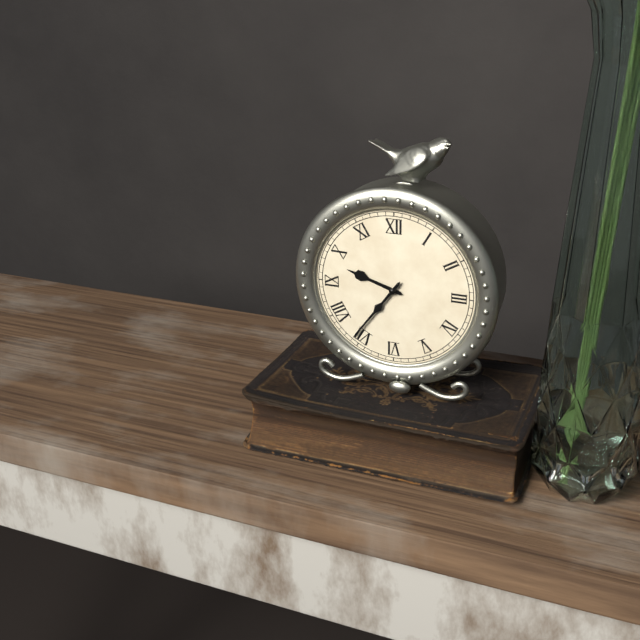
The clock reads 9h36
